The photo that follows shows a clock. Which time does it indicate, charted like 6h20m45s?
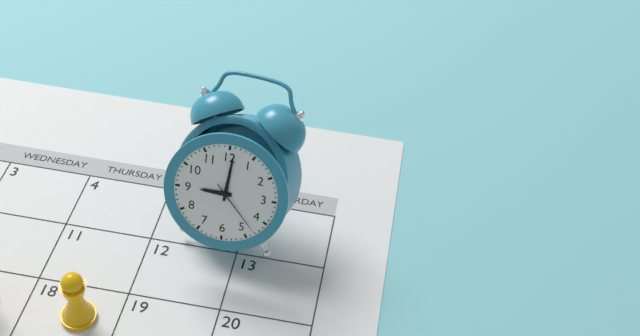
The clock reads 9h01m23s
